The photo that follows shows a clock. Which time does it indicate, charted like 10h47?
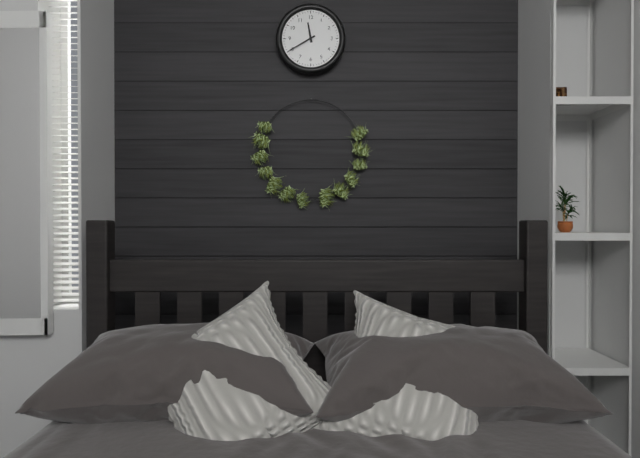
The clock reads 11h40
